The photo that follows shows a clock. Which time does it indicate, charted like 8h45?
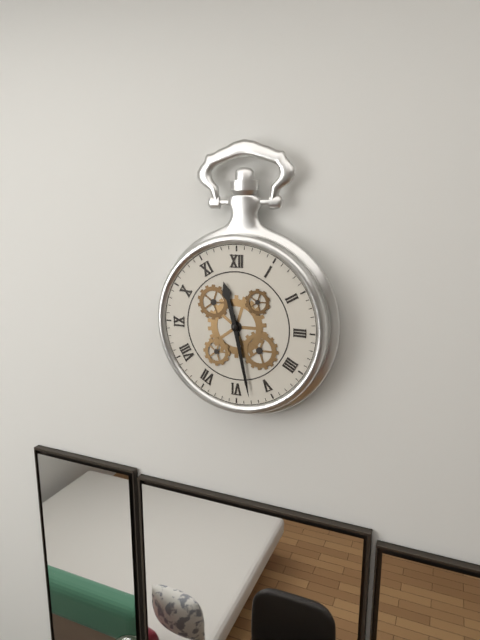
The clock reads 11h28
